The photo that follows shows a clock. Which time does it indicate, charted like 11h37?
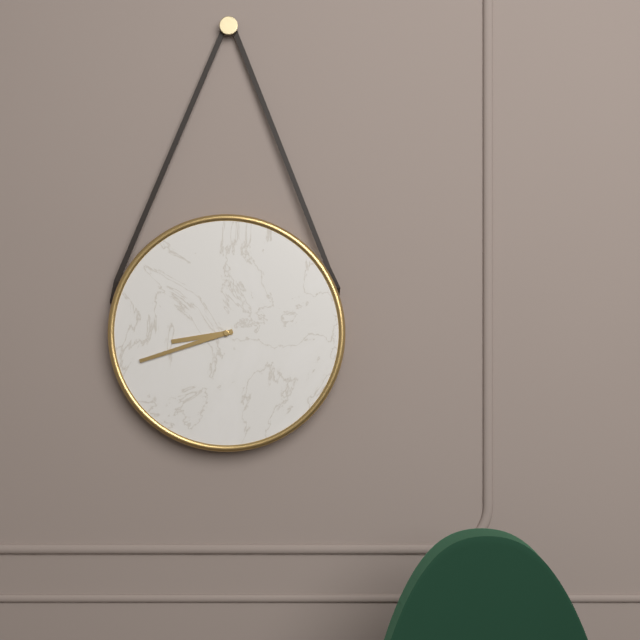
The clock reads 8h42
